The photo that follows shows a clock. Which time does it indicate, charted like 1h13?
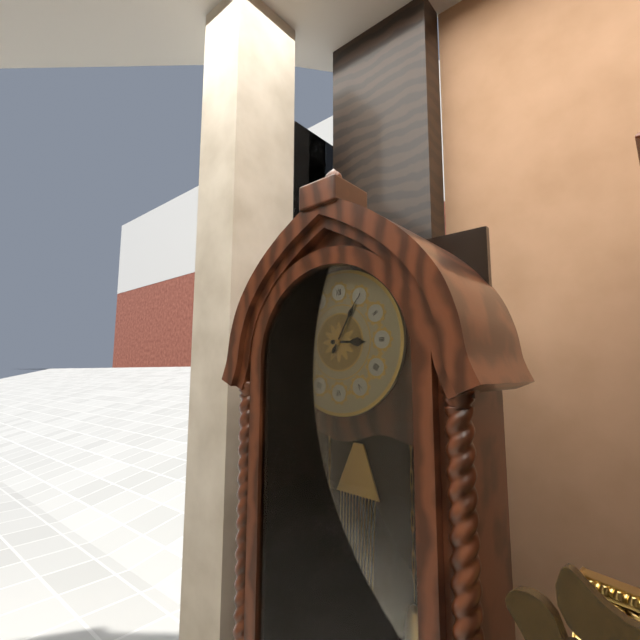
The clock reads 3h05
